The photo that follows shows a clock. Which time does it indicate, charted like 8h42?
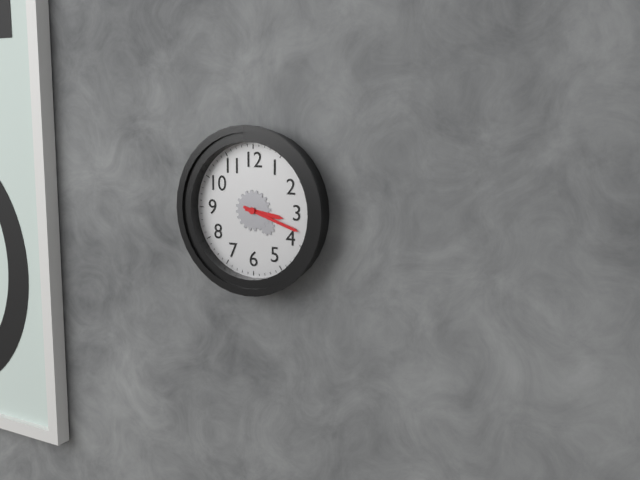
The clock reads 3h18
